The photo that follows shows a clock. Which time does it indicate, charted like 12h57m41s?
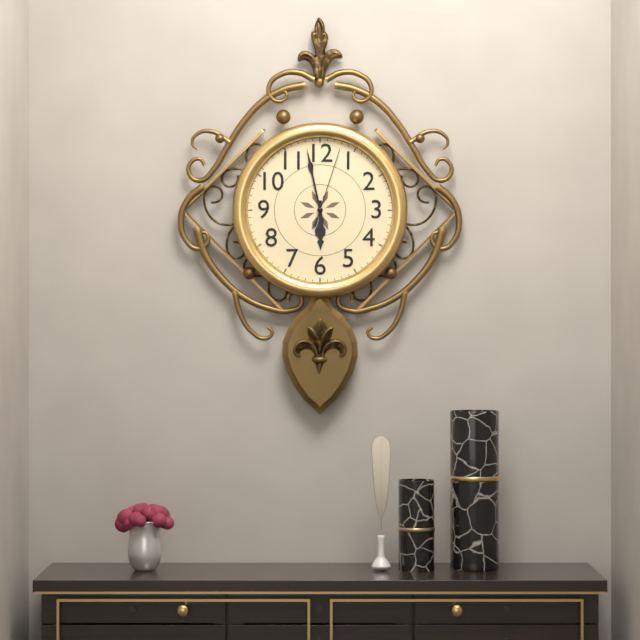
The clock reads 5h58m03s
